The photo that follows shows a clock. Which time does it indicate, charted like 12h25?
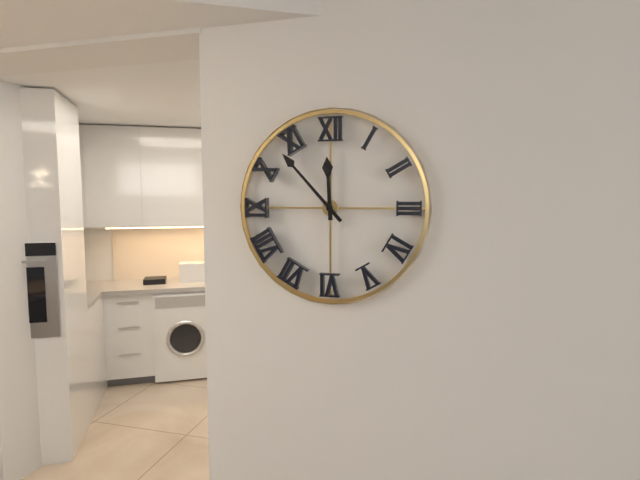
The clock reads 11h53
